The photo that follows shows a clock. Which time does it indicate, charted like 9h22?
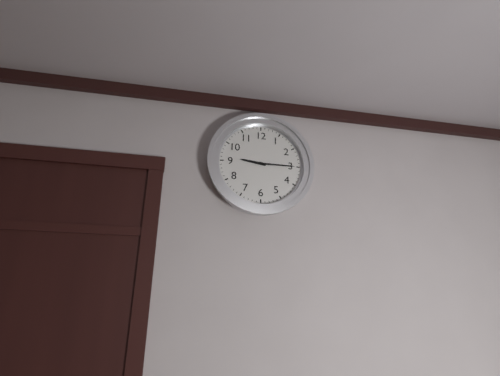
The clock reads 9h15
